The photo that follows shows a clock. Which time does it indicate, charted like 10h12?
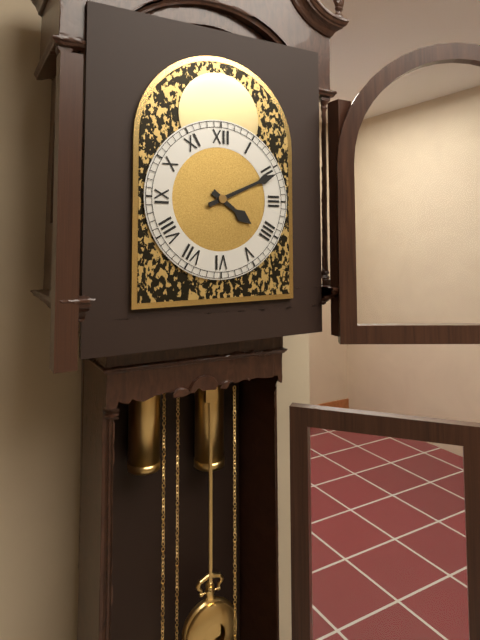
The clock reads 4h11
